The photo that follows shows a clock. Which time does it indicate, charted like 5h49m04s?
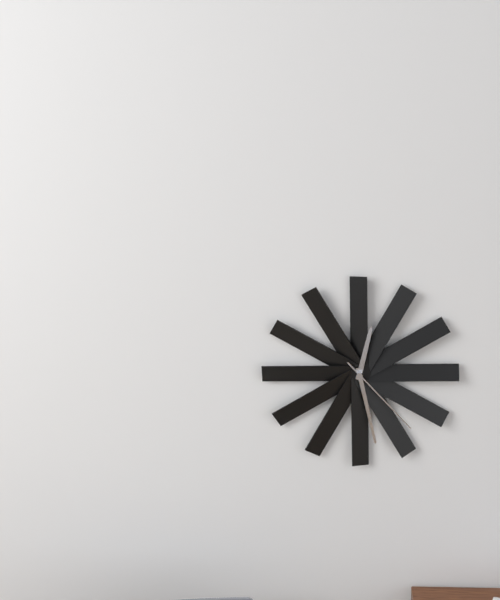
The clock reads 12h28m23s
